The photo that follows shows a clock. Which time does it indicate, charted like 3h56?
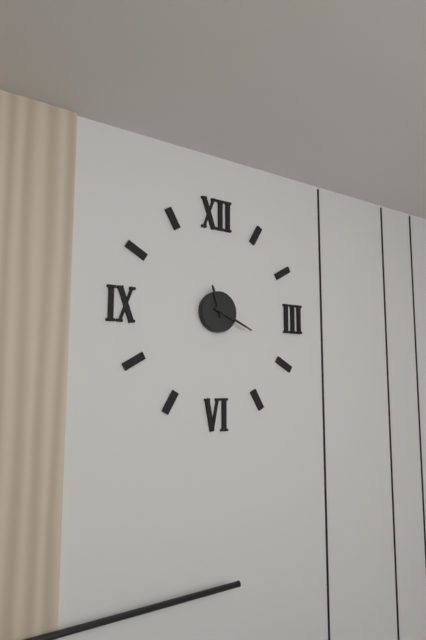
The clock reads 11h19
